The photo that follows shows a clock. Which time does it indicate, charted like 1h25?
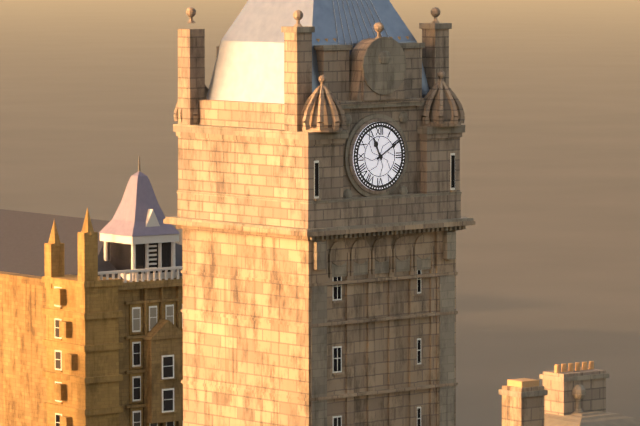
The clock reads 11h10
